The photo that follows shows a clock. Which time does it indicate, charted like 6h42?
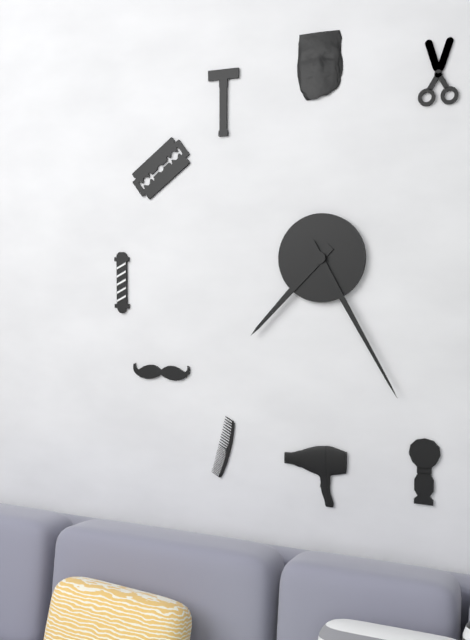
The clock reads 7h25
